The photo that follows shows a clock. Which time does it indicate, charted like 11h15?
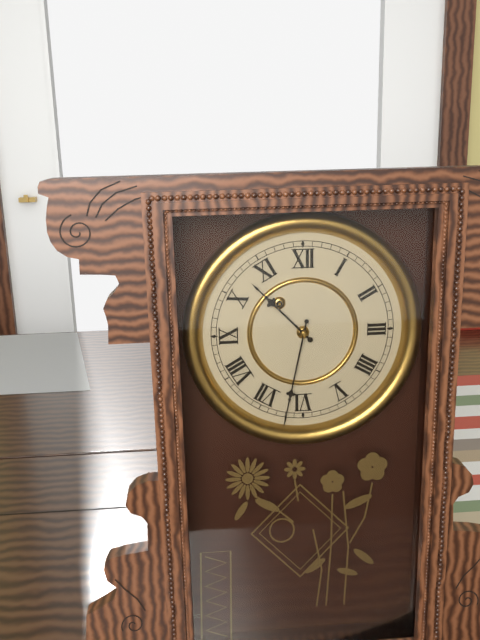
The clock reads 10h32
